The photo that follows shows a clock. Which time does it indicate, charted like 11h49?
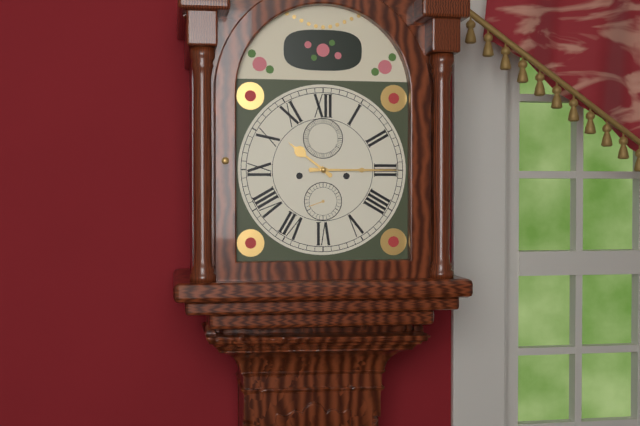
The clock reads 10h15
